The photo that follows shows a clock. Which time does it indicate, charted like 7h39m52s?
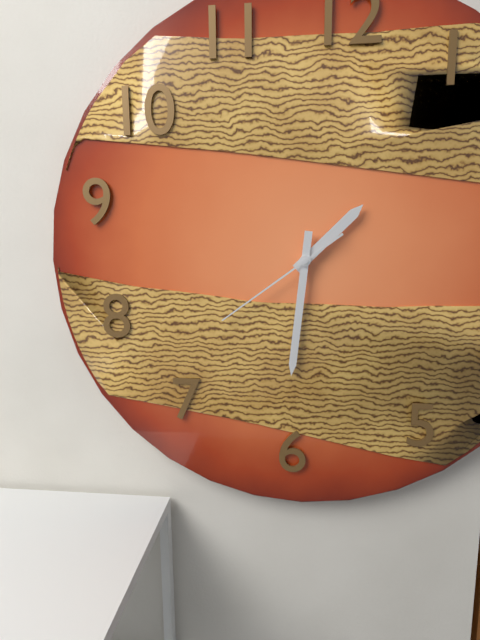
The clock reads 1h31m39s
